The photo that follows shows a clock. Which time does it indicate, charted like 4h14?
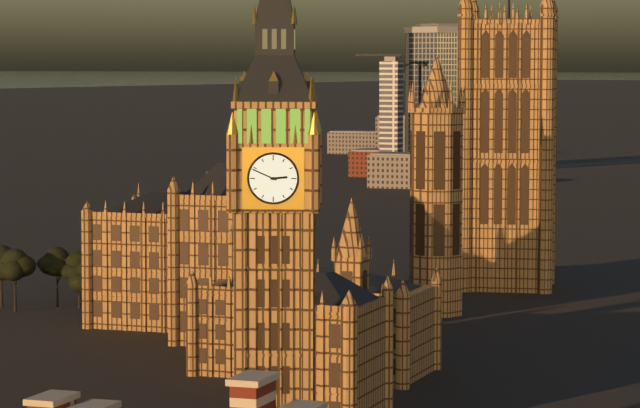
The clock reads 2h49
